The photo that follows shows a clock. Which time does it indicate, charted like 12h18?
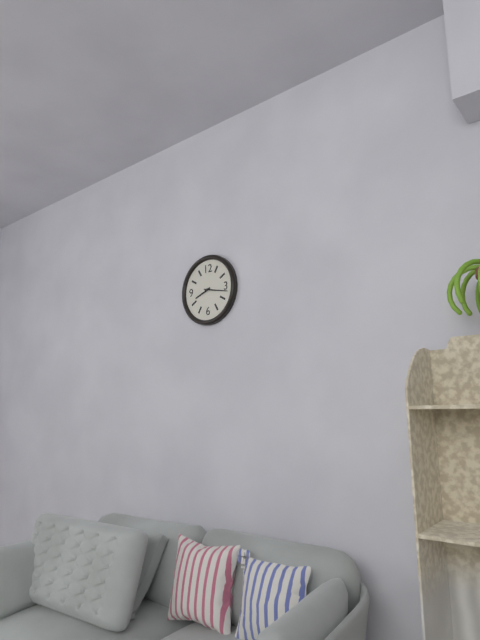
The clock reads 8h17
